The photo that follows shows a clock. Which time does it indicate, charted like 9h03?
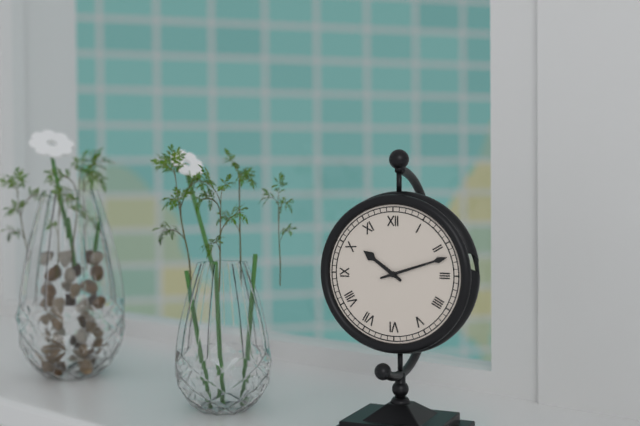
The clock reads 10h12
